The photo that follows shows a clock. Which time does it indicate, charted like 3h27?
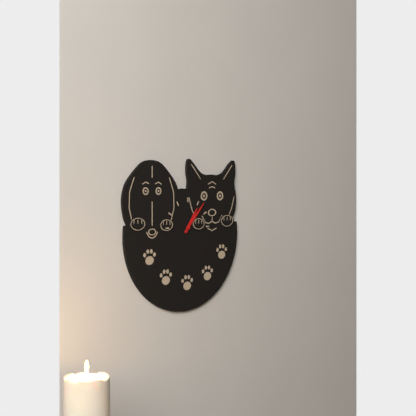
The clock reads 1h07
